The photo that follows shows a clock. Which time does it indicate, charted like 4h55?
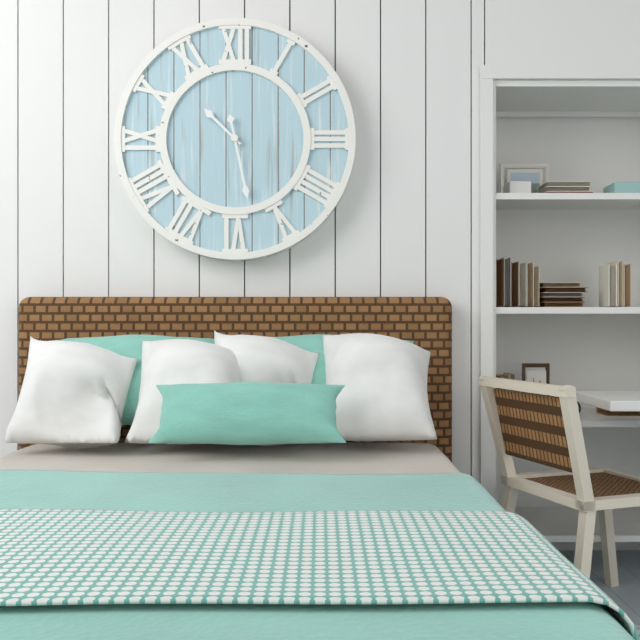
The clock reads 10h28
